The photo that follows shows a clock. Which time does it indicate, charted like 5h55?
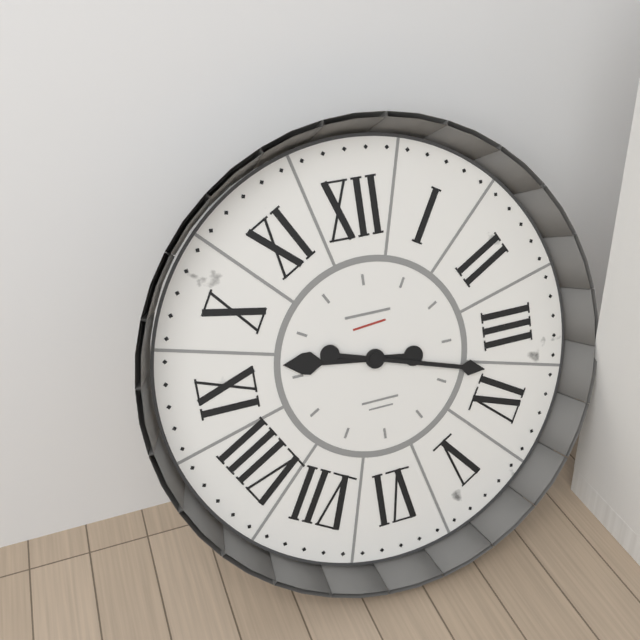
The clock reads 9h18
